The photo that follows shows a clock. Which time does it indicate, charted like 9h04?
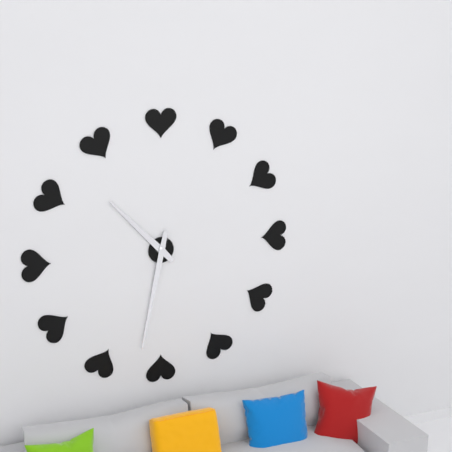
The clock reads 10h32
